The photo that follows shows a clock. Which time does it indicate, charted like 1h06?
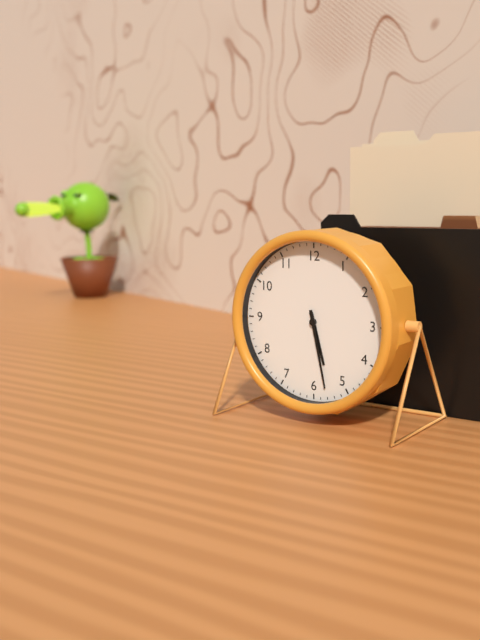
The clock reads 5h28
